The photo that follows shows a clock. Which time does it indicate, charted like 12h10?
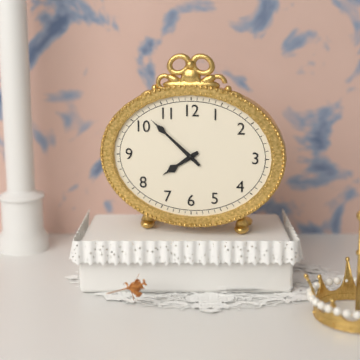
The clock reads 7h52
